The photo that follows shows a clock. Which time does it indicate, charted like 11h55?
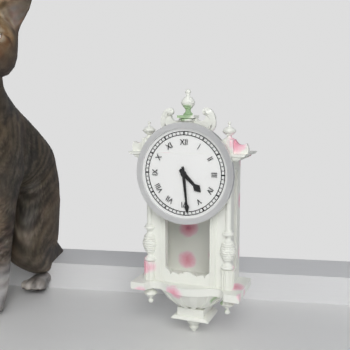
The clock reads 4h29
